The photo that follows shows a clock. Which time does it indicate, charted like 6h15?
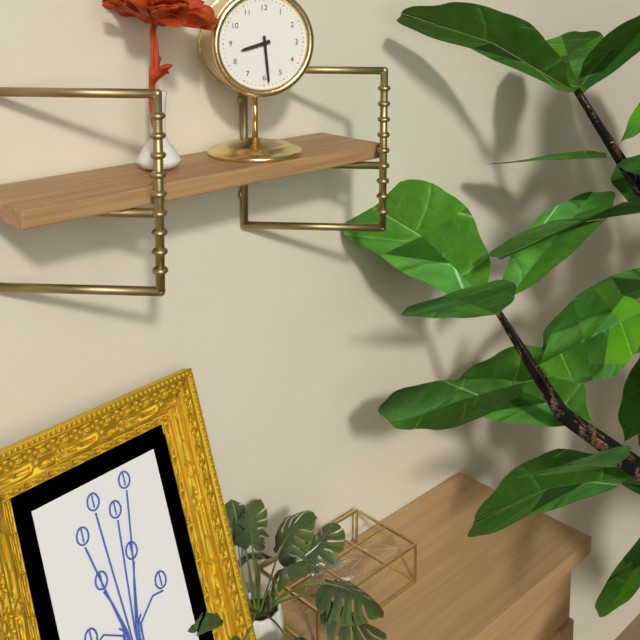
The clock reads 8h29
